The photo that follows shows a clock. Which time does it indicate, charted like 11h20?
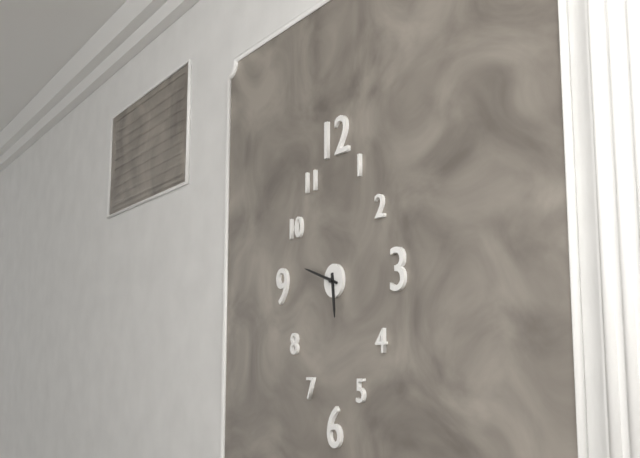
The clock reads 5h48
